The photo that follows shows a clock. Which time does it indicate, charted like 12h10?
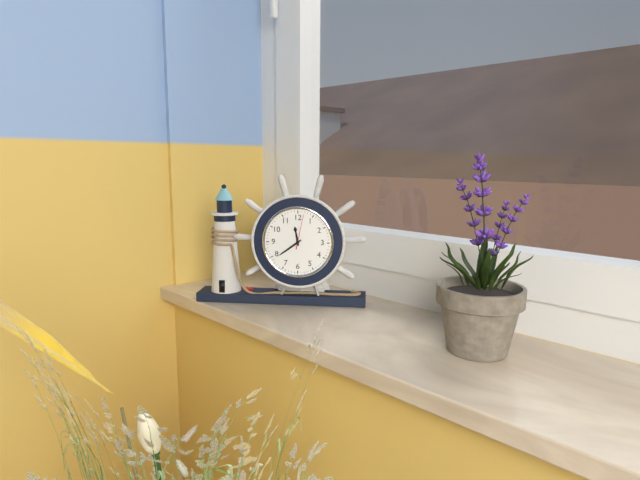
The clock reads 11h39
